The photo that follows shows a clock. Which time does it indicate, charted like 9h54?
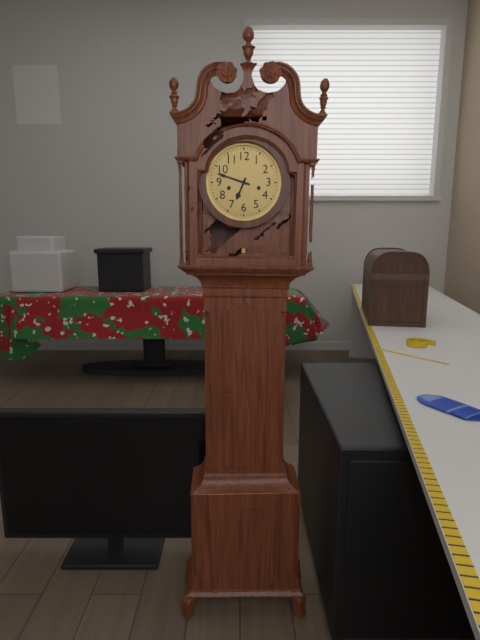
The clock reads 6h48
